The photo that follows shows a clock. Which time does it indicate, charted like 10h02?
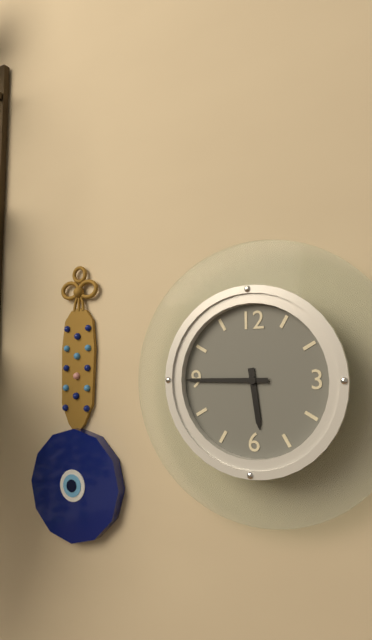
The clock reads 5h45
